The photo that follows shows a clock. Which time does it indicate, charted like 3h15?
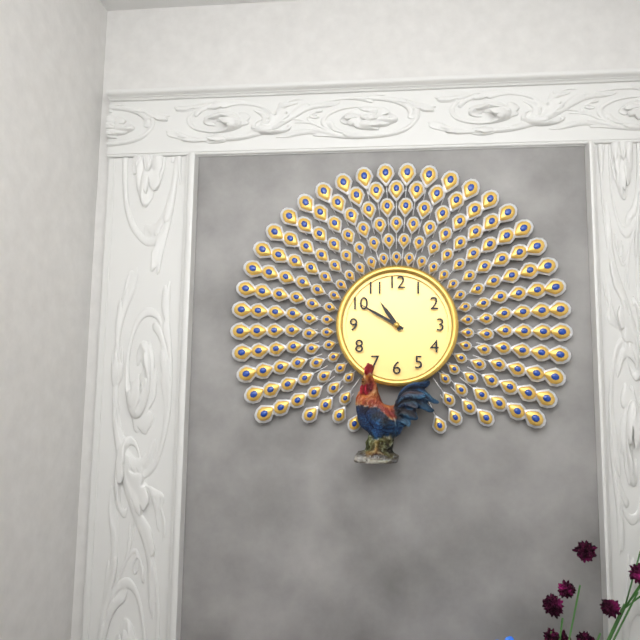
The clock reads 10h50
